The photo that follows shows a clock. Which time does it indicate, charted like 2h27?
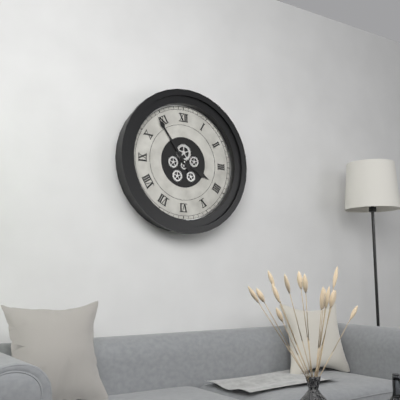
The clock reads 3h54
